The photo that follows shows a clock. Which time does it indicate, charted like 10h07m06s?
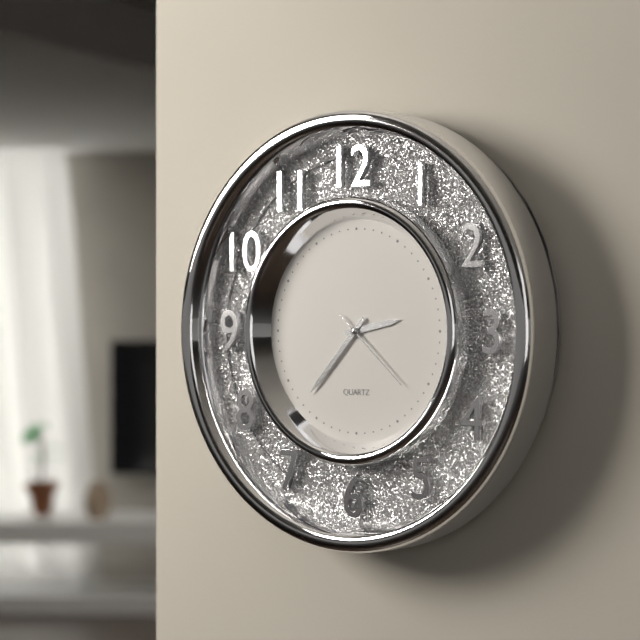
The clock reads 2h37m22s
